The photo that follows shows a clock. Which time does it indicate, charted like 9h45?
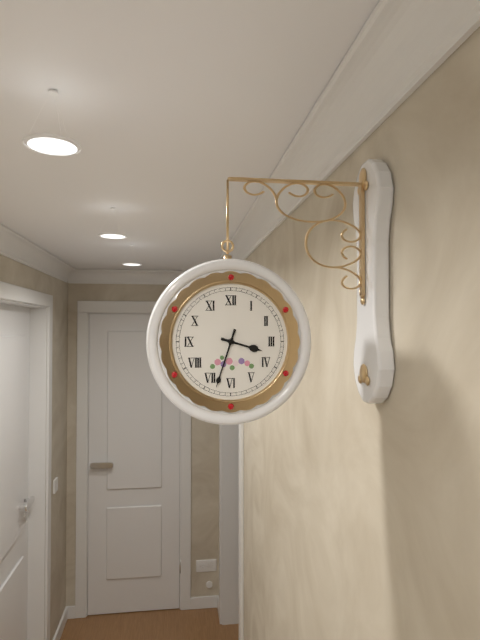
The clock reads 3h33
